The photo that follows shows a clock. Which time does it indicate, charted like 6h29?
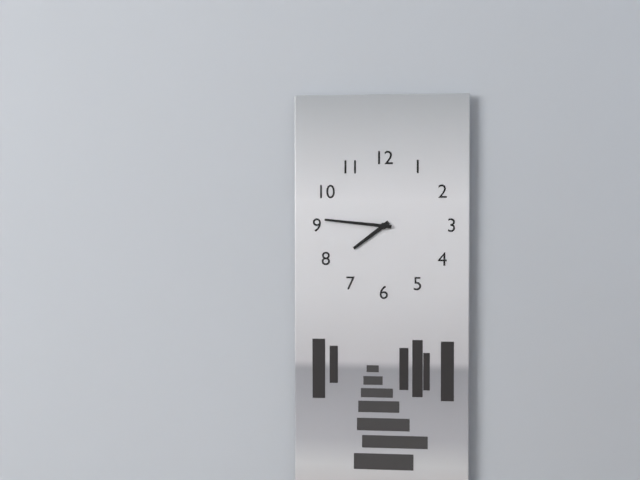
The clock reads 7h46
